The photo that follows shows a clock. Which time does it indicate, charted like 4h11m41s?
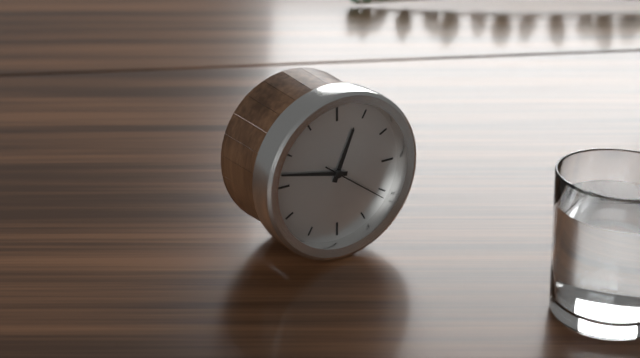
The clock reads 12h47m21s
